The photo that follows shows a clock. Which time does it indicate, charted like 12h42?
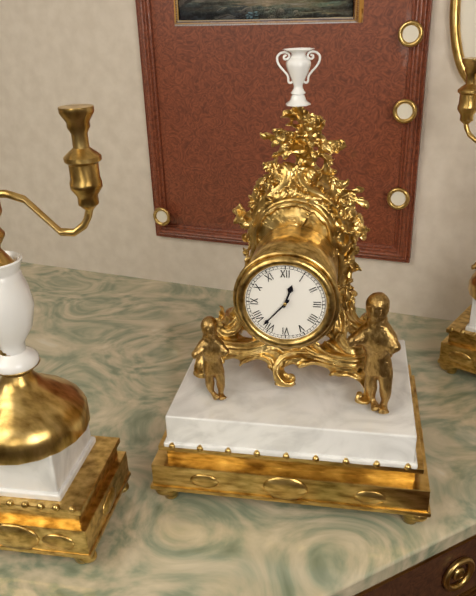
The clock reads 12h37
